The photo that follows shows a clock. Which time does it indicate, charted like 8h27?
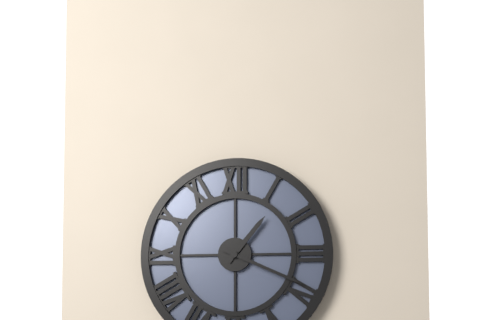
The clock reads 1h19
